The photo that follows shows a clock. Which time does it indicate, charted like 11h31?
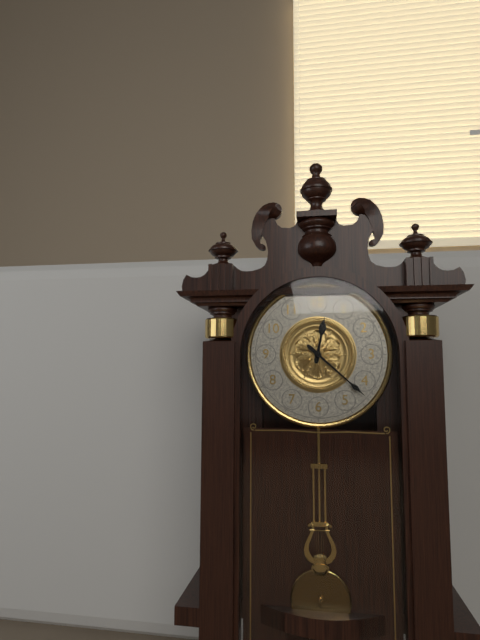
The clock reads 12h22
